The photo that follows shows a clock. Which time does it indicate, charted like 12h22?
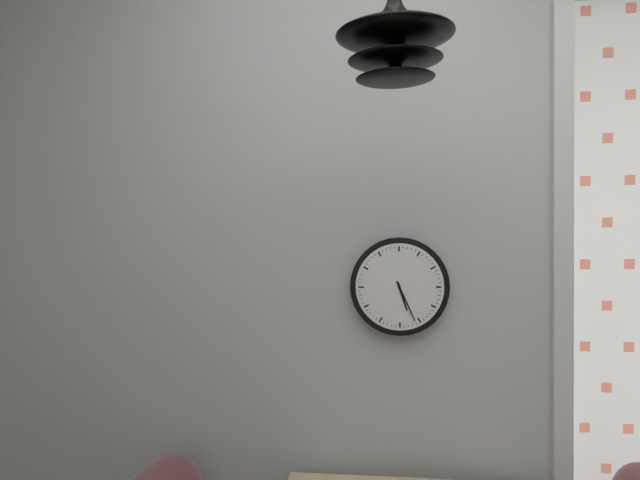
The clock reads 5h26
